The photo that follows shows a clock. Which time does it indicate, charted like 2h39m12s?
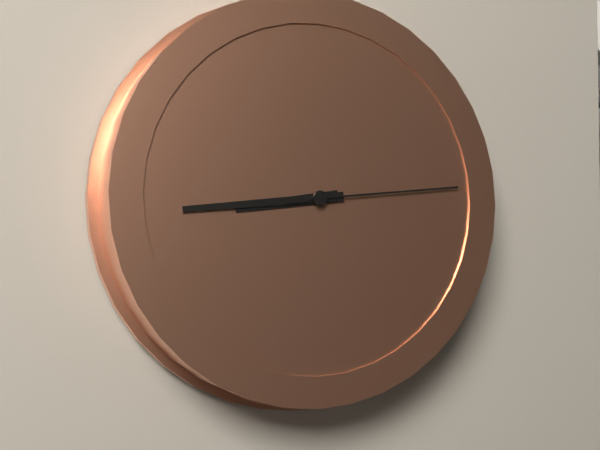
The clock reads 8h44m14s
